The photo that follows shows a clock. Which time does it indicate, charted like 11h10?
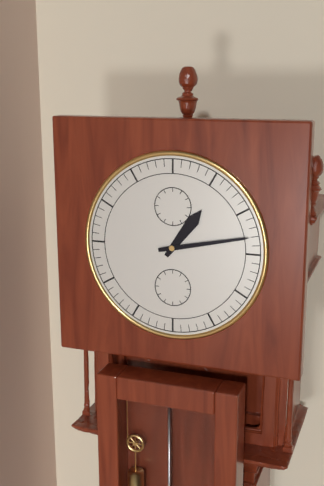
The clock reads 1h13
